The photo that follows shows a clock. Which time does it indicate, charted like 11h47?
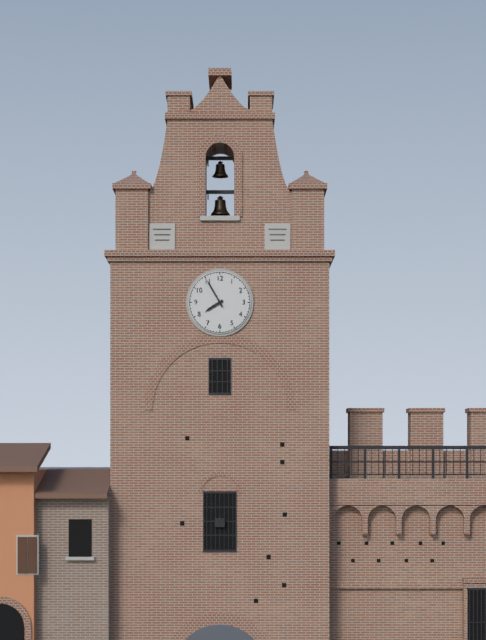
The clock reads 7h55
